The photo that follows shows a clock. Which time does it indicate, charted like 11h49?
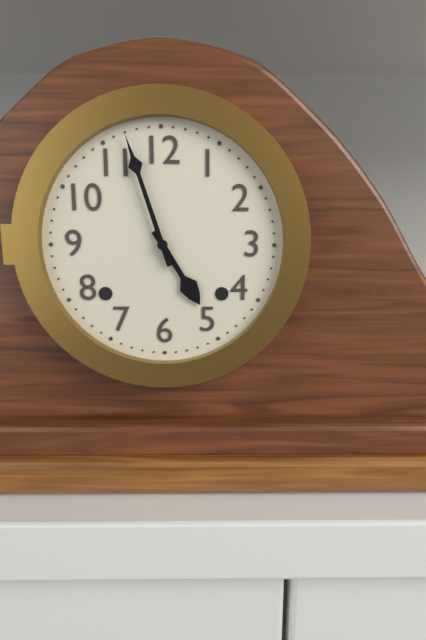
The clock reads 4h57
